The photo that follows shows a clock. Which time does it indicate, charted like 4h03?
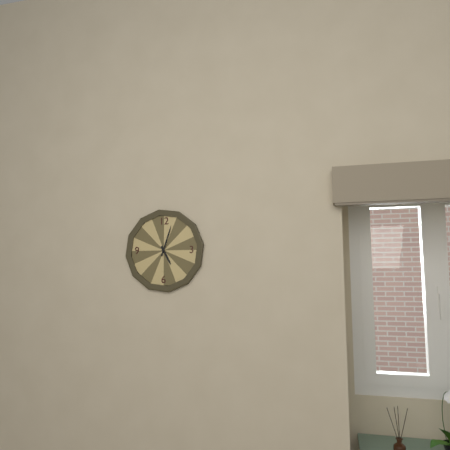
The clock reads 5h03
